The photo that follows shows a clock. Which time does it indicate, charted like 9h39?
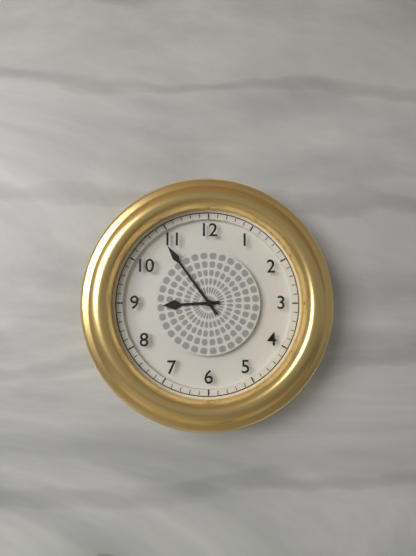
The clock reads 8h54
